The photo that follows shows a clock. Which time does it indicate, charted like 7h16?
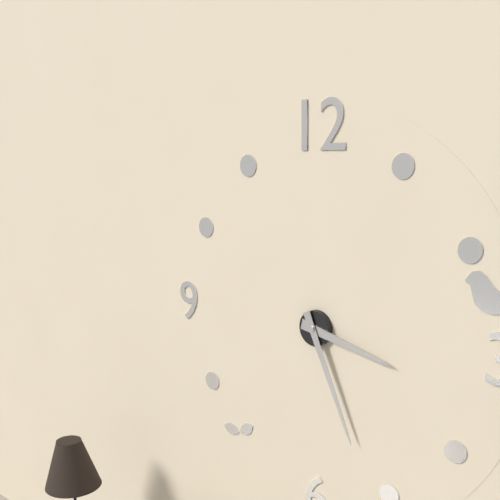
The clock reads 3h26
